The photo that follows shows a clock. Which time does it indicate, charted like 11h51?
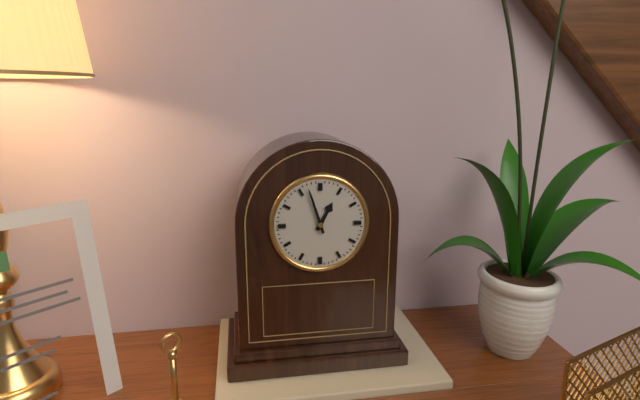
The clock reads 12h57
